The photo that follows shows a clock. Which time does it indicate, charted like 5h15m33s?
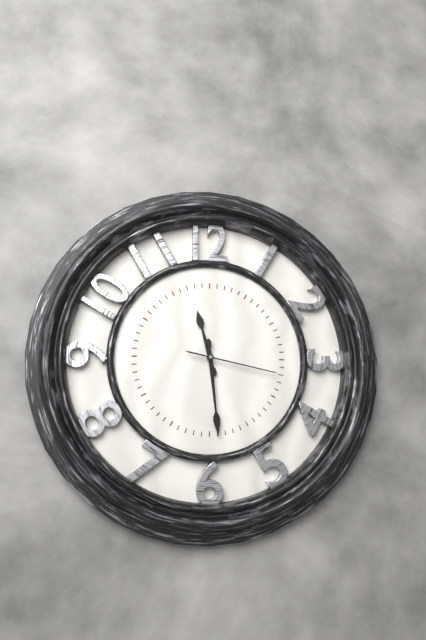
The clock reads 11h29m17s
